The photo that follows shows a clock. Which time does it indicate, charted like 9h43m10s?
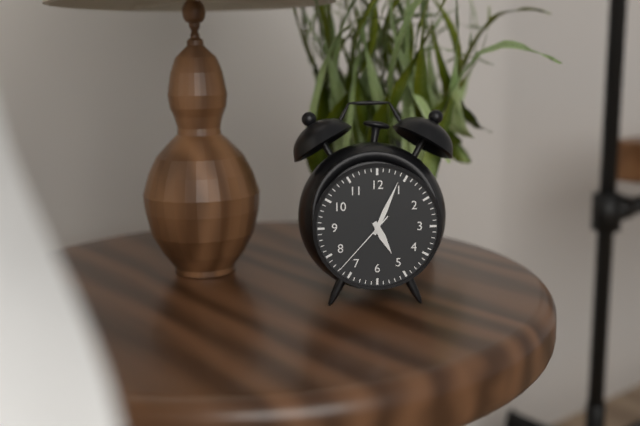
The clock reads 5h04m37s
